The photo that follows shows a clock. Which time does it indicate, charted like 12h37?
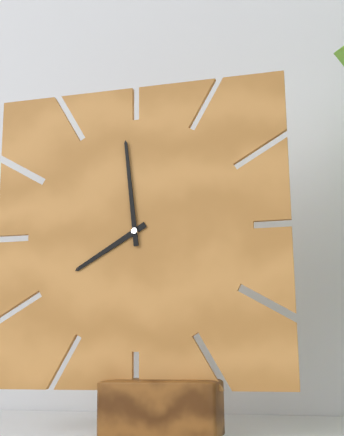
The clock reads 7h59
